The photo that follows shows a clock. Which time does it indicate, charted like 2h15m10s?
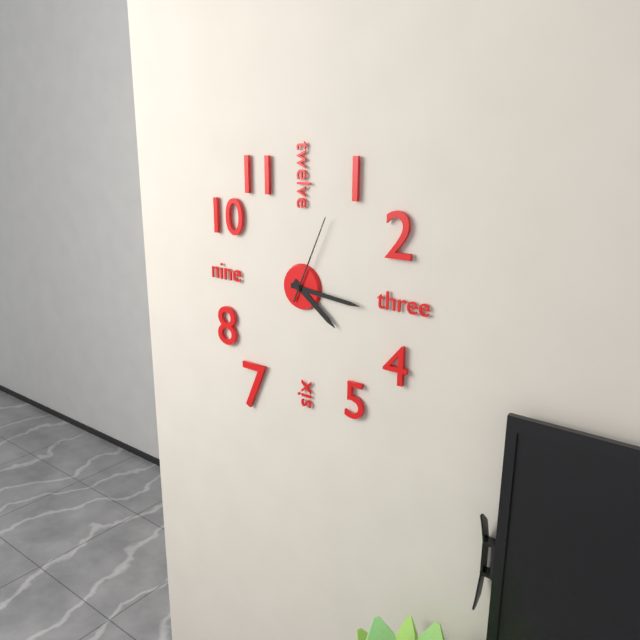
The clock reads 4h16m04s
